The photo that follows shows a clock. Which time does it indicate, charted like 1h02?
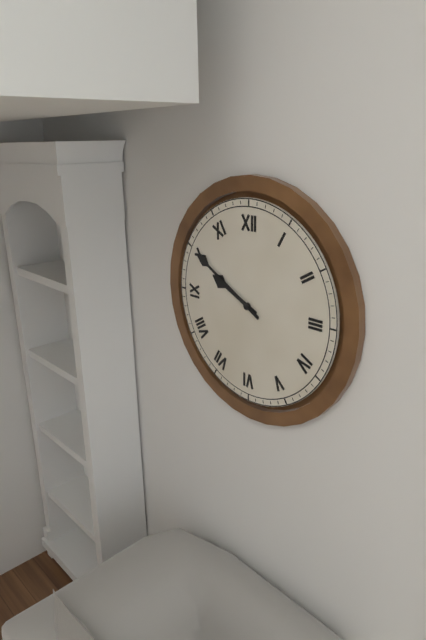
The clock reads 9h50
